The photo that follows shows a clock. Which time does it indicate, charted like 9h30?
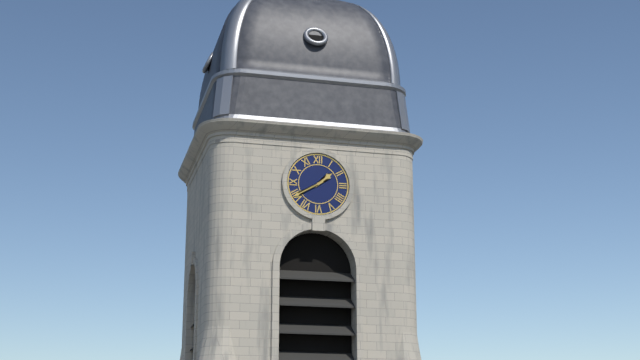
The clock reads 1h40
